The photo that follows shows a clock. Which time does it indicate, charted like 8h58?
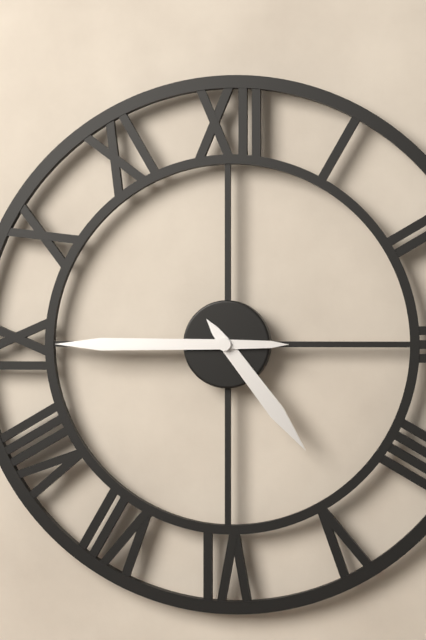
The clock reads 4h45
